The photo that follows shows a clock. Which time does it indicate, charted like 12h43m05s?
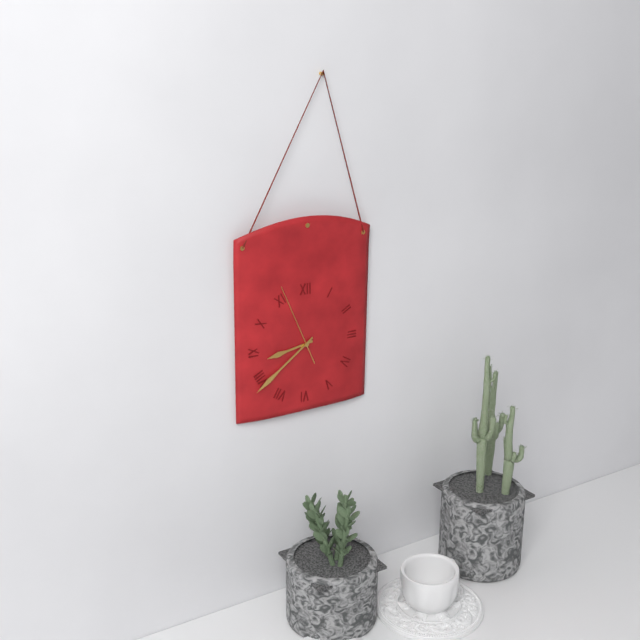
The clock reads 8h39m56s
